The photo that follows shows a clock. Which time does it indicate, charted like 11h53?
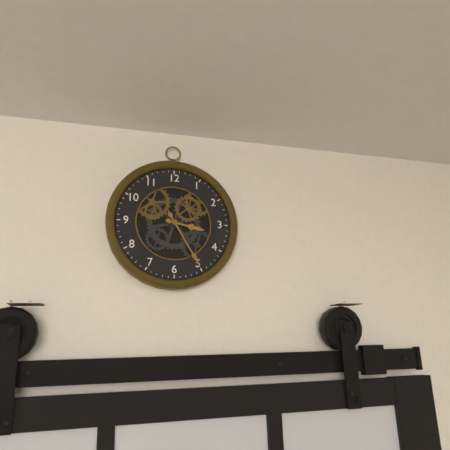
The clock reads 3h25
